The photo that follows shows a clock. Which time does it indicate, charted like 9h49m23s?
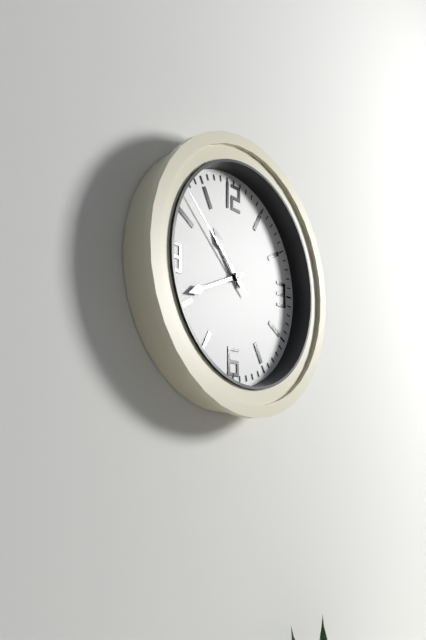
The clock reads 10h41m52s
